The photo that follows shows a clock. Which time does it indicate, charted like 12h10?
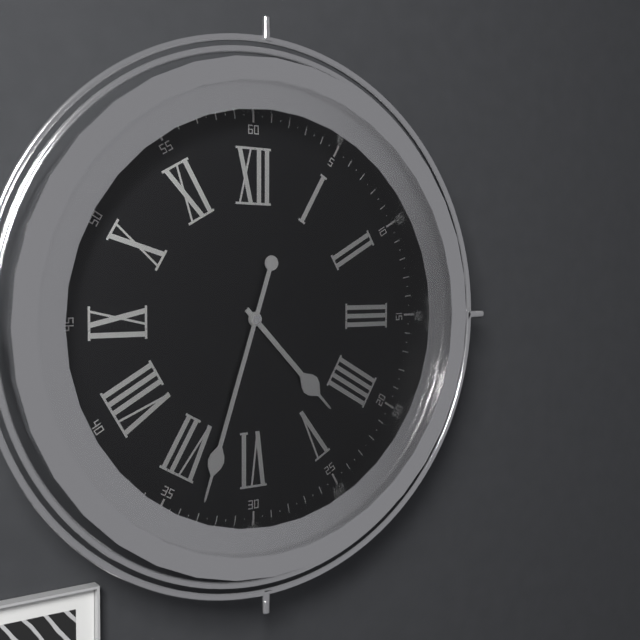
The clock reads 4h33
